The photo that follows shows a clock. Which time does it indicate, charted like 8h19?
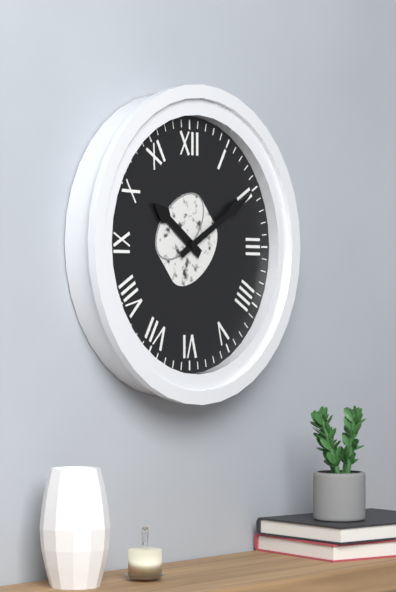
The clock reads 10h10
